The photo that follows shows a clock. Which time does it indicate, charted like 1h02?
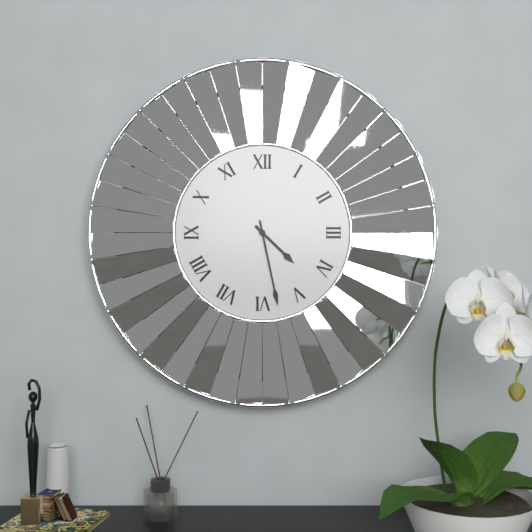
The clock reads 4h28
